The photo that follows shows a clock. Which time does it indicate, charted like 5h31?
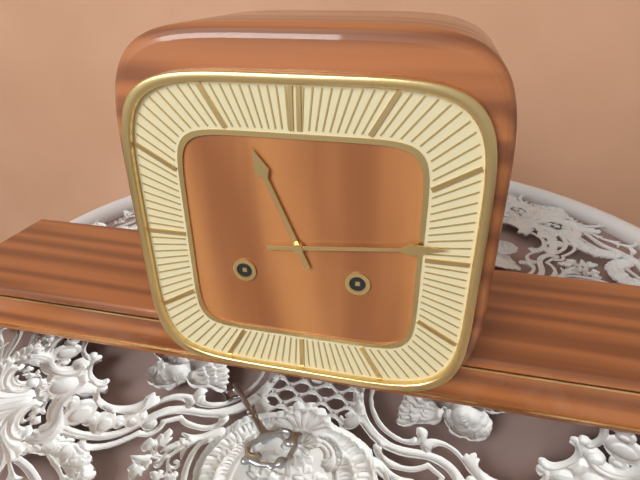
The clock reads 11h14
